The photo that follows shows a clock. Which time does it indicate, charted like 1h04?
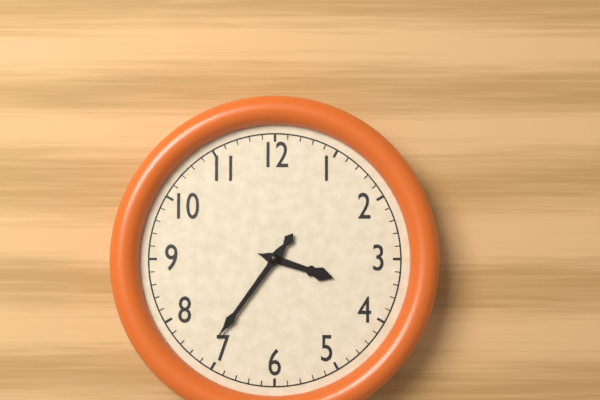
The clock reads 3h36
